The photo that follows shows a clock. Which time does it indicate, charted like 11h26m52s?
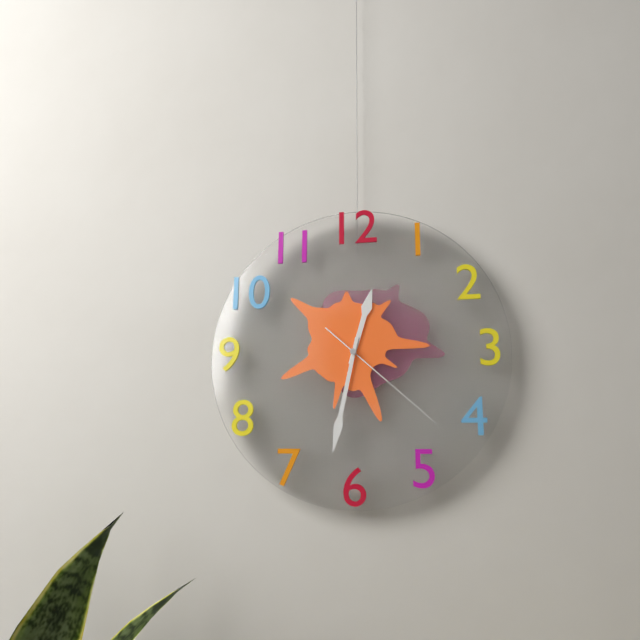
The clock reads 12h32m22s
